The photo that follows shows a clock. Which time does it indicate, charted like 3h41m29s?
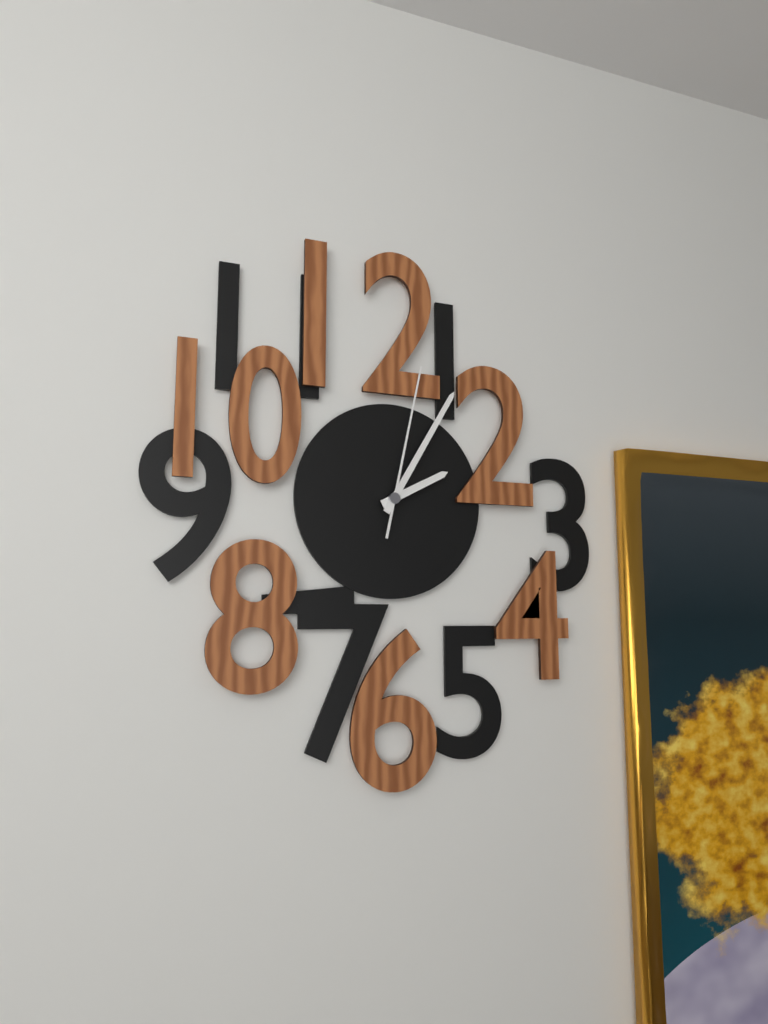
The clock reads 2h05m02s
